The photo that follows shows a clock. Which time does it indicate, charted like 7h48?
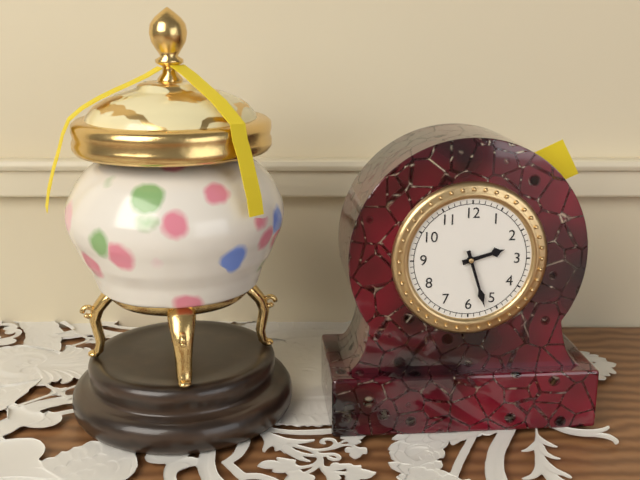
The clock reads 2h27
